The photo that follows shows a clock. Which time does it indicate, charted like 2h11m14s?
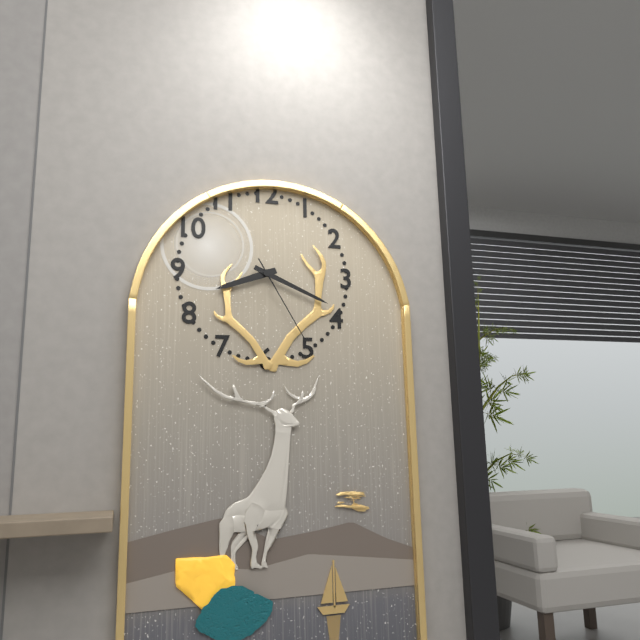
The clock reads 8h19m25s
